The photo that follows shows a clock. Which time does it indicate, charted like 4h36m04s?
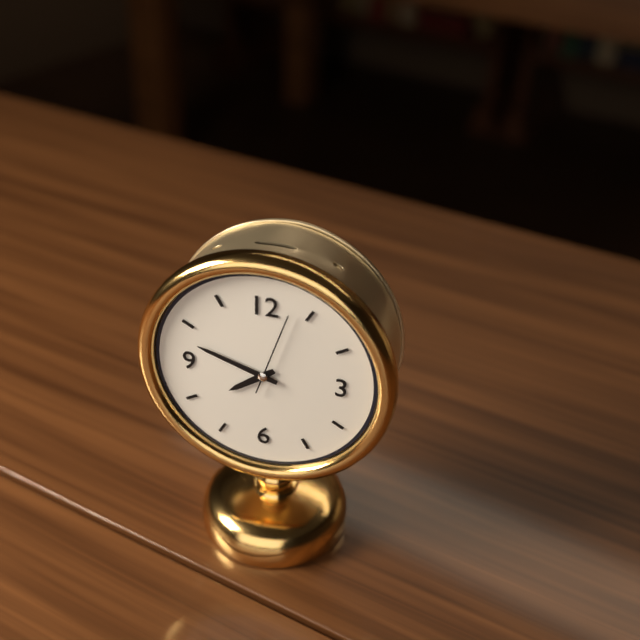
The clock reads 7h48m03s
